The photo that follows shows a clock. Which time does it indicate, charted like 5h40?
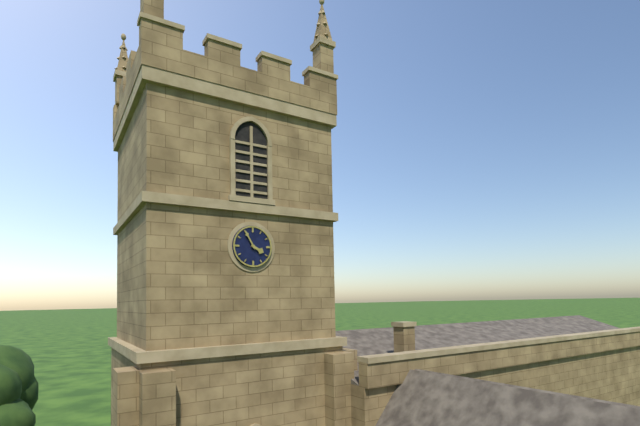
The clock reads 3h55
